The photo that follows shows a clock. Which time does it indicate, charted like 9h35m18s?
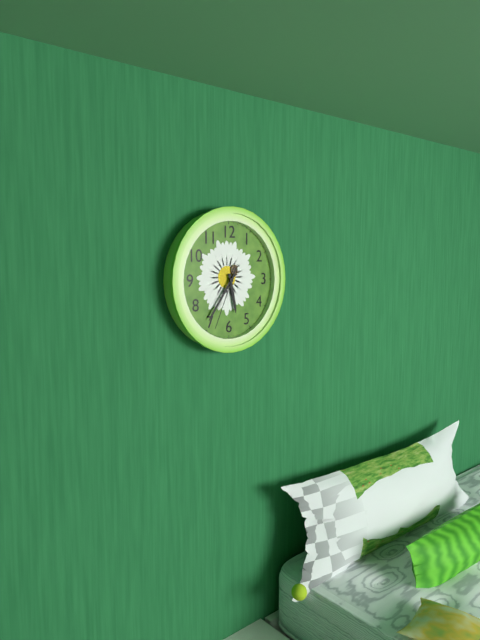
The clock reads 5h36m34s
